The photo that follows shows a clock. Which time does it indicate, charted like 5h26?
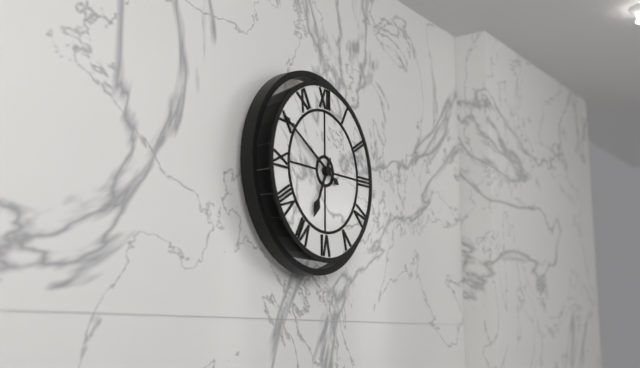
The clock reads 6h50
